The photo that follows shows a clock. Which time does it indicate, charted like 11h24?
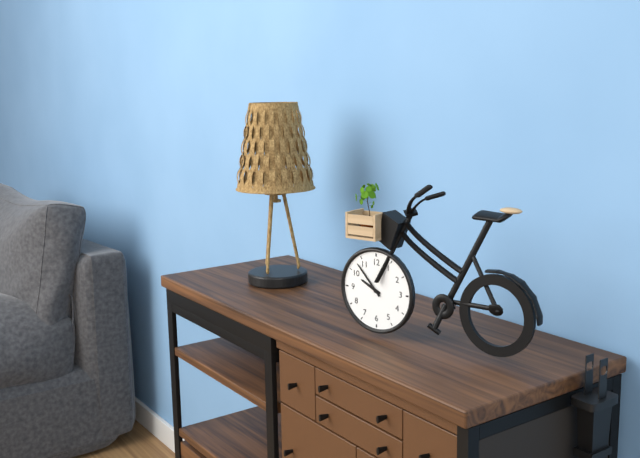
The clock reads 9h53
